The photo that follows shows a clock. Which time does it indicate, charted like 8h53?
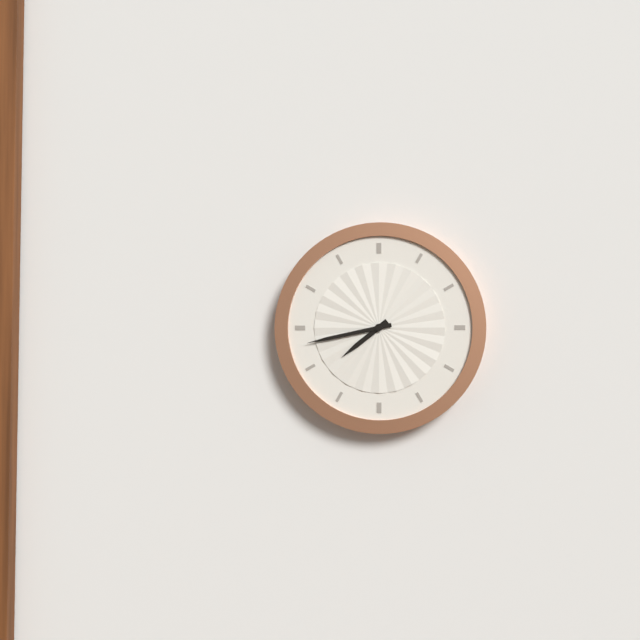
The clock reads 7h43
